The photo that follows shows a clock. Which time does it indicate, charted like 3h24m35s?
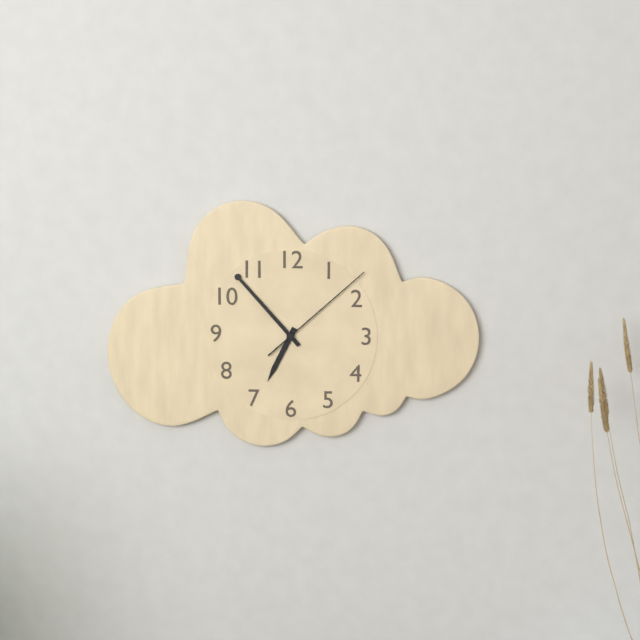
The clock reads 6h53m08s
